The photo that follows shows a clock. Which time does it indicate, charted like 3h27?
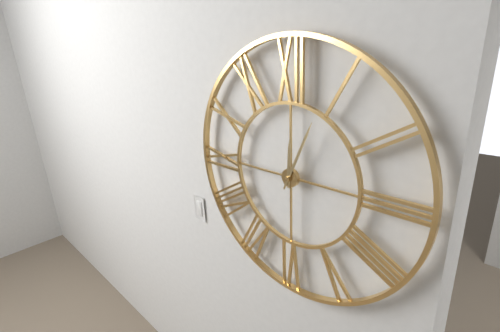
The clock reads 12h04
